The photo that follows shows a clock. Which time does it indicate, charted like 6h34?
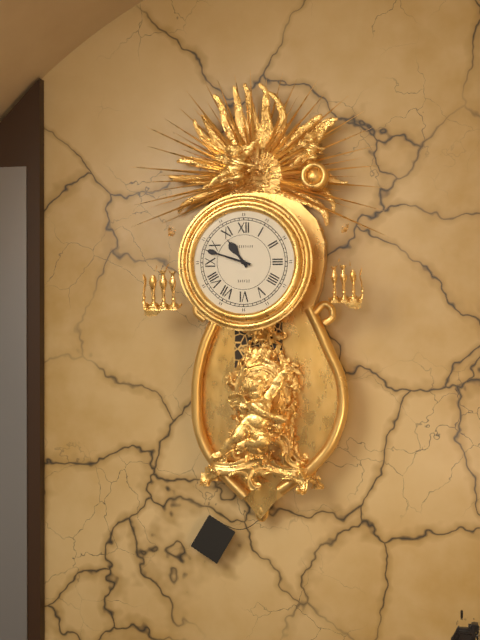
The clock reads 10h48
